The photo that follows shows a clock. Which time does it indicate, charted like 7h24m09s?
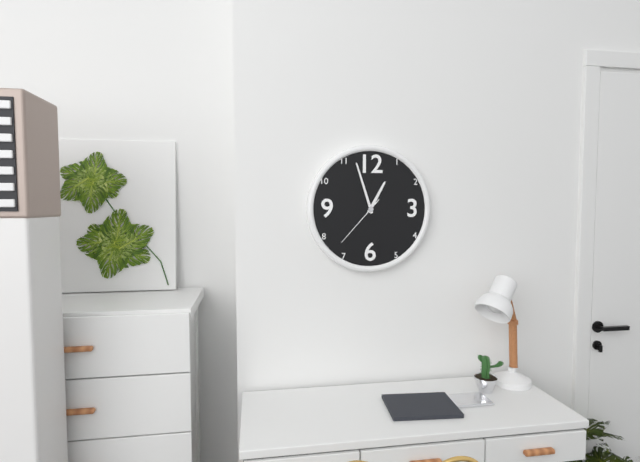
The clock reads 12h57m37s
